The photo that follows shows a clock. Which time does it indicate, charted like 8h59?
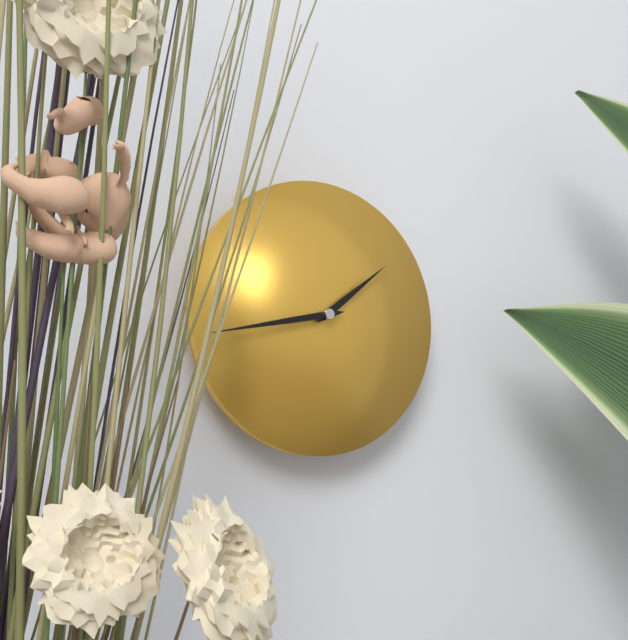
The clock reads 1h43
